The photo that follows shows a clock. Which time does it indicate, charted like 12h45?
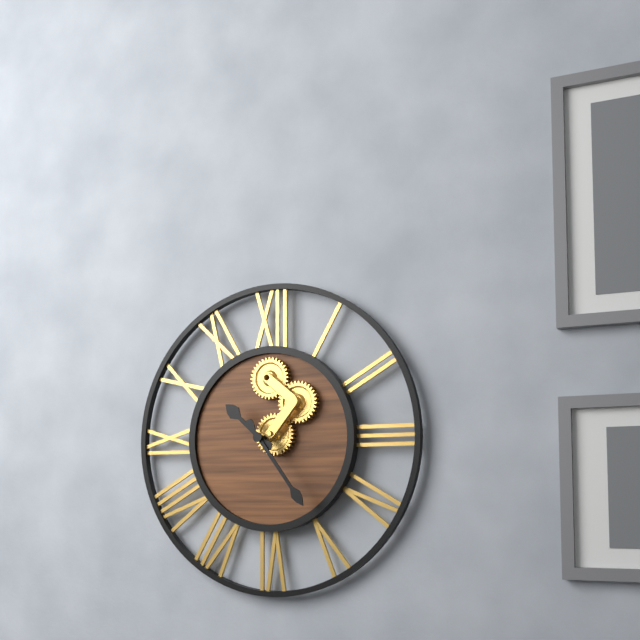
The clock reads 10h24
